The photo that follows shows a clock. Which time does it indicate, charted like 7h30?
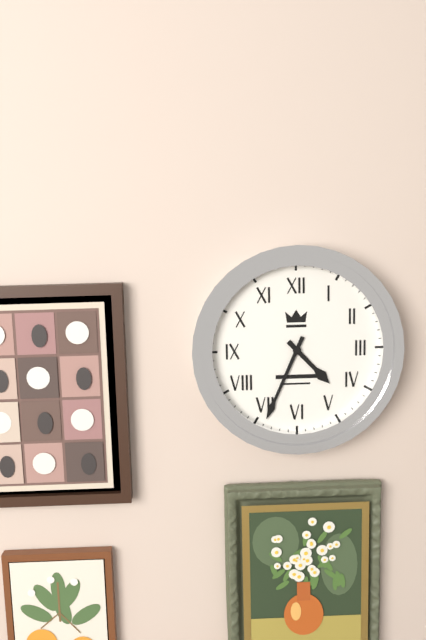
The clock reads 4h34
